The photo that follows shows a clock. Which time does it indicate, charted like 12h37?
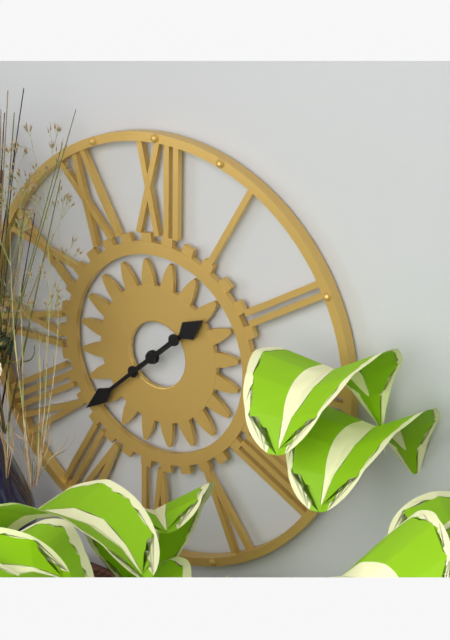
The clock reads 1h38
